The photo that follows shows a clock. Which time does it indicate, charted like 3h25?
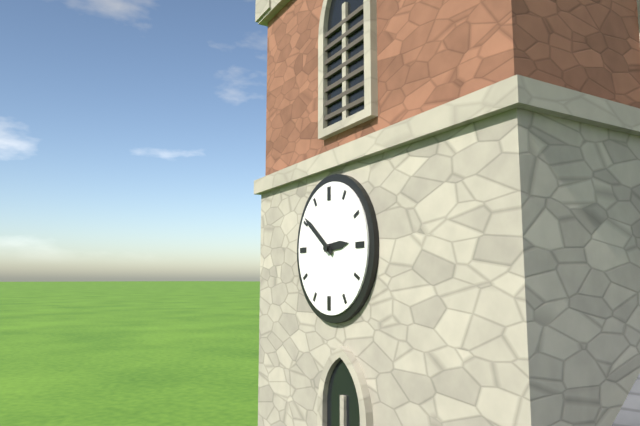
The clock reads 2h51
